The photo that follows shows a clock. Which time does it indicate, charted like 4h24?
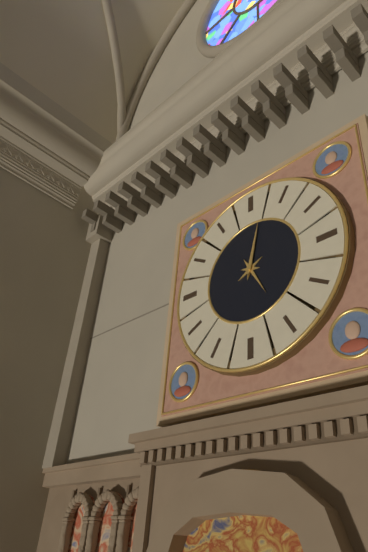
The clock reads 5h02
